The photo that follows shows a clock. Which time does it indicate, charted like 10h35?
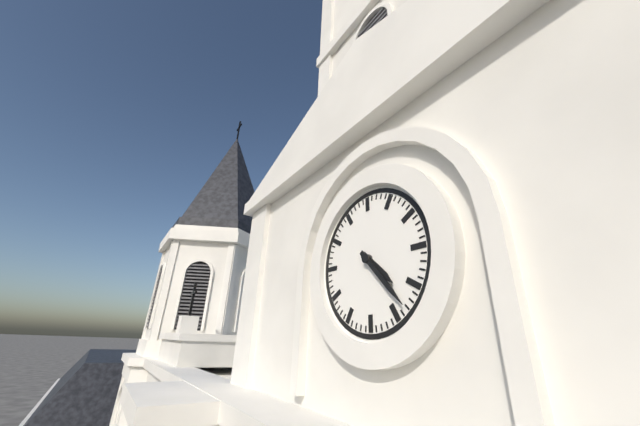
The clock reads 4h23
